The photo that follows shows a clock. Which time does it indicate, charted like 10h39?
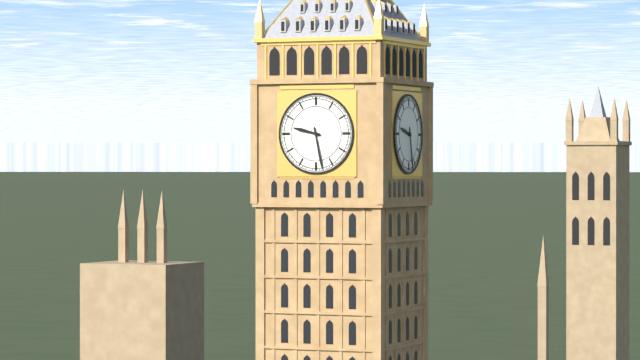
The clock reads 9h28
